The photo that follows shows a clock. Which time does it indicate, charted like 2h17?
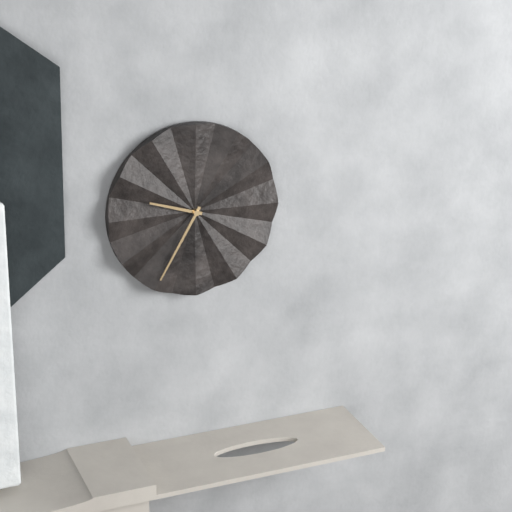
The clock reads 9h35
